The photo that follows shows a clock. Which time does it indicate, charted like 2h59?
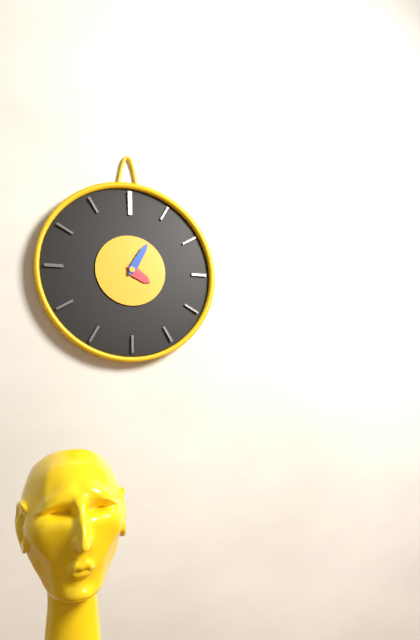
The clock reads 4h05
